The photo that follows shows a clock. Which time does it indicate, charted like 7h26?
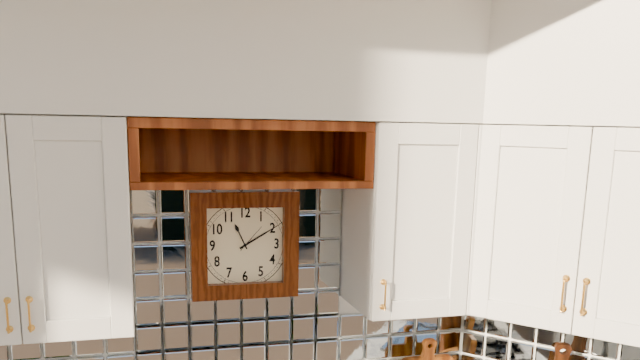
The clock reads 11h10
